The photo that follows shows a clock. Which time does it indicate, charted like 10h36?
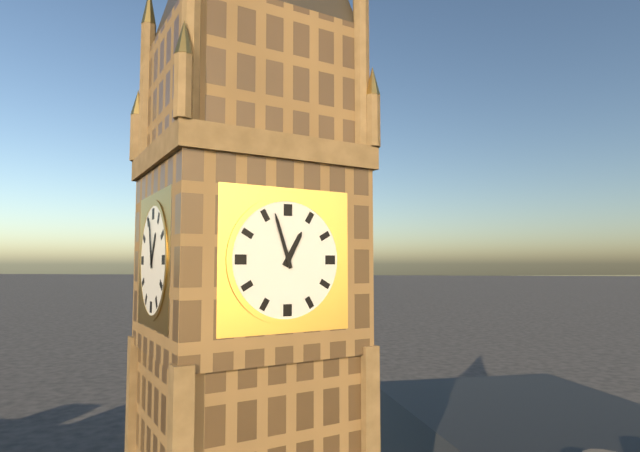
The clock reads 12h57
